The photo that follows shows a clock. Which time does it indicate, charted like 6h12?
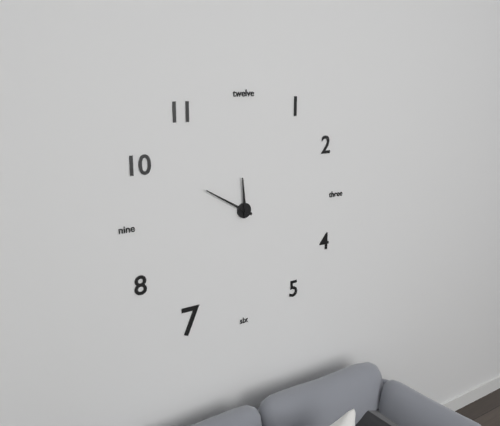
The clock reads 11h50
